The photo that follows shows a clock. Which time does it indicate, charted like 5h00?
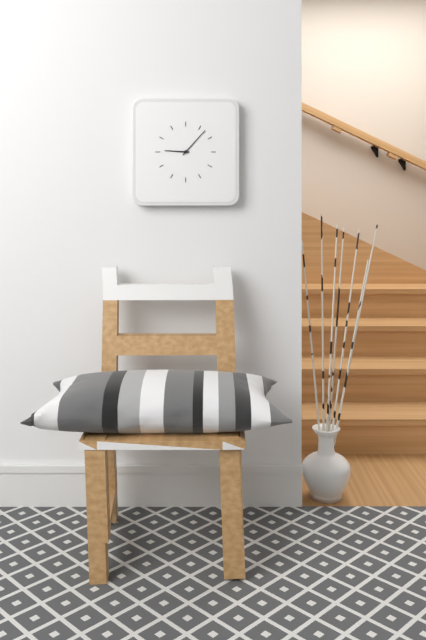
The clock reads 9h07
